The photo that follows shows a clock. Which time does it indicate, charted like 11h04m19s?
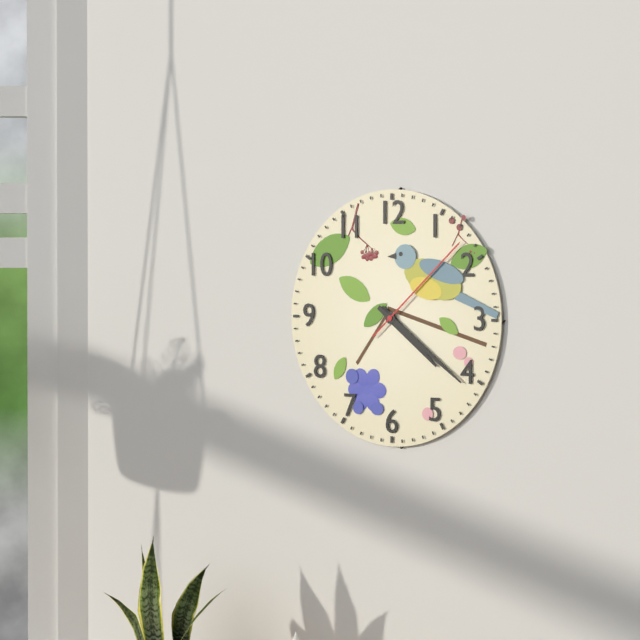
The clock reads 4h21m08s
